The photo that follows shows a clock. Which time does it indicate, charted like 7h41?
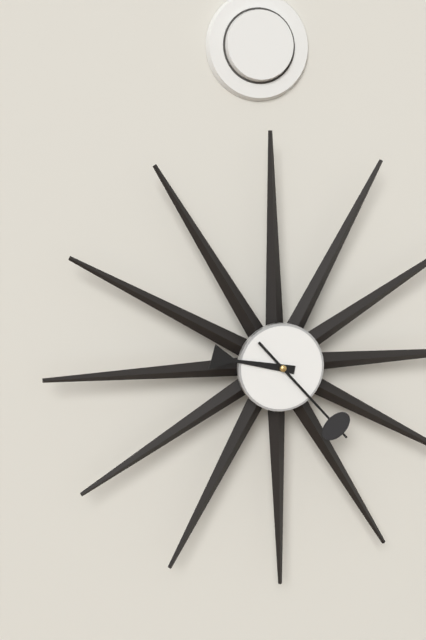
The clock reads 9h23
